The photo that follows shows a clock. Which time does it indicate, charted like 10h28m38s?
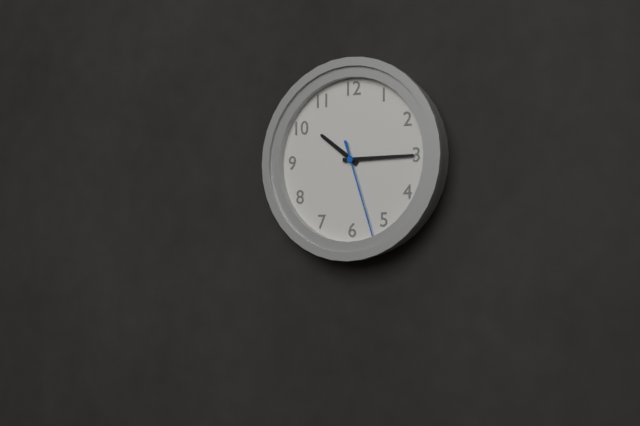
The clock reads 10h15m27s
